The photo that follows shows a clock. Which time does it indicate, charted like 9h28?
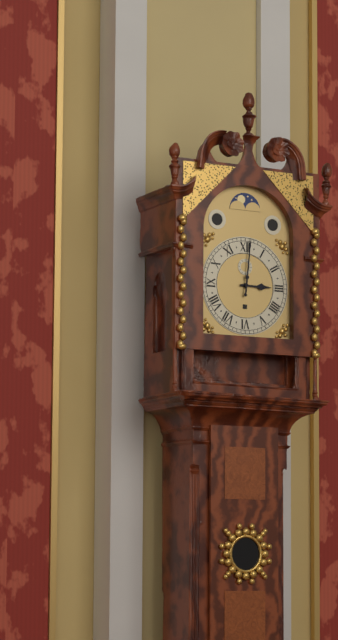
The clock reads 3h01
